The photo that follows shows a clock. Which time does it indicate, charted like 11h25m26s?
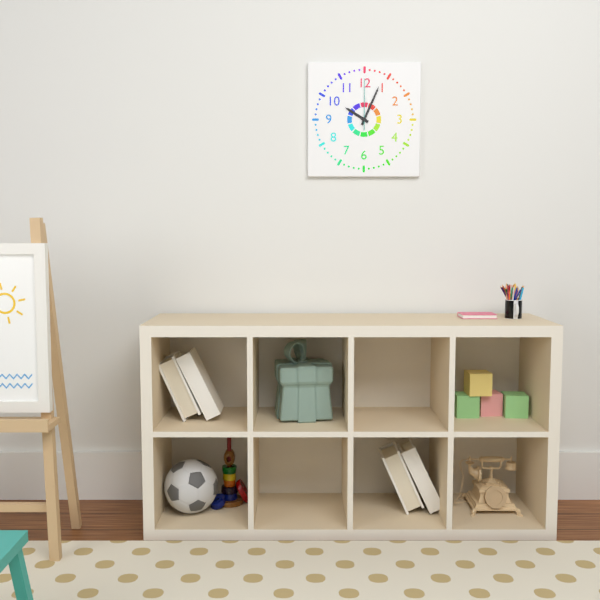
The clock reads 10h04m00s
